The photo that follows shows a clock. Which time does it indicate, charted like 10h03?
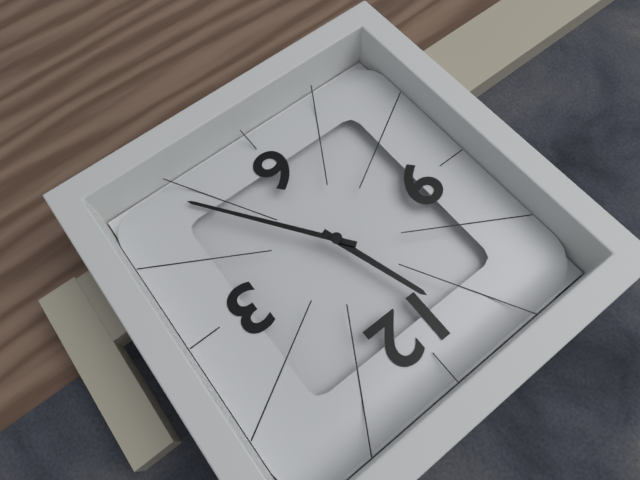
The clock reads 11h24
